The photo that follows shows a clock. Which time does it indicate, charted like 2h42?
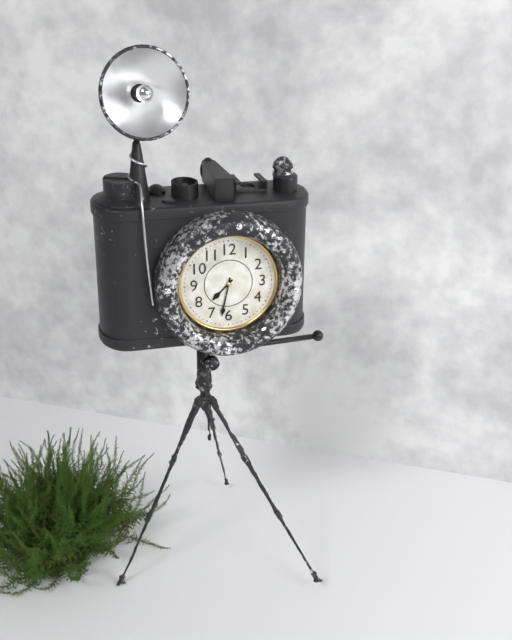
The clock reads 7h32
